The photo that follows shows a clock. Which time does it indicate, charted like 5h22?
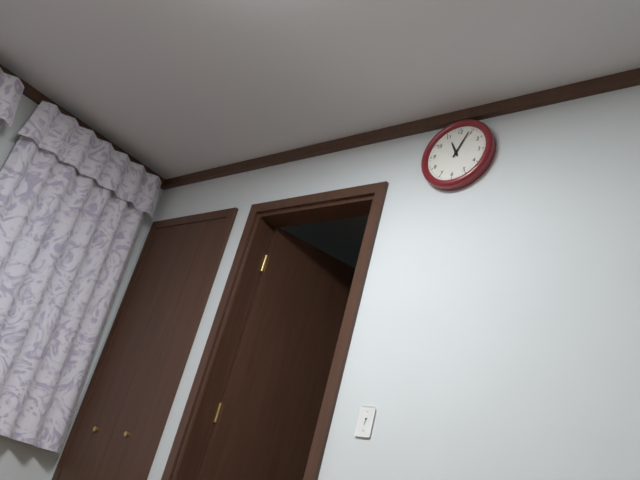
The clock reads 11h04
